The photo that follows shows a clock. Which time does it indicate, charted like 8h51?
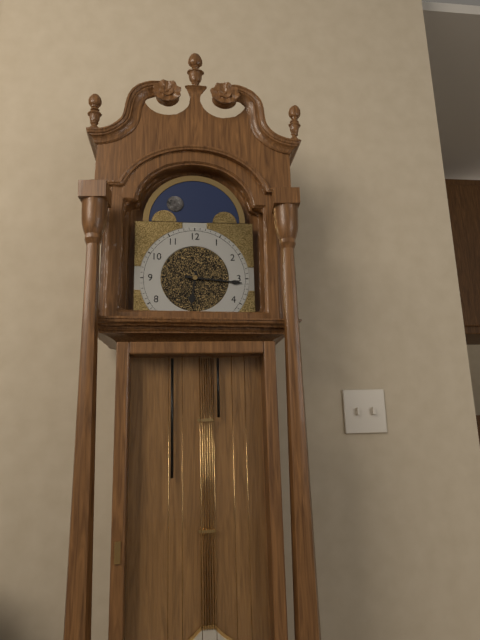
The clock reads 6h16
